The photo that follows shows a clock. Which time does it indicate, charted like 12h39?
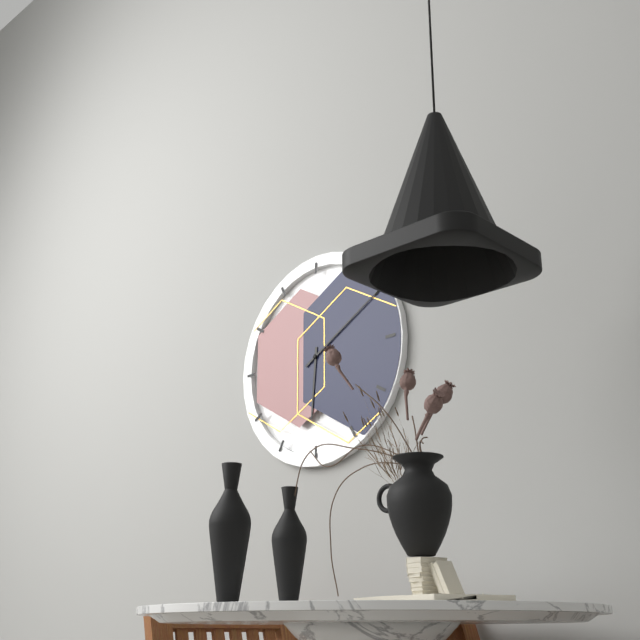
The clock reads 6h10
